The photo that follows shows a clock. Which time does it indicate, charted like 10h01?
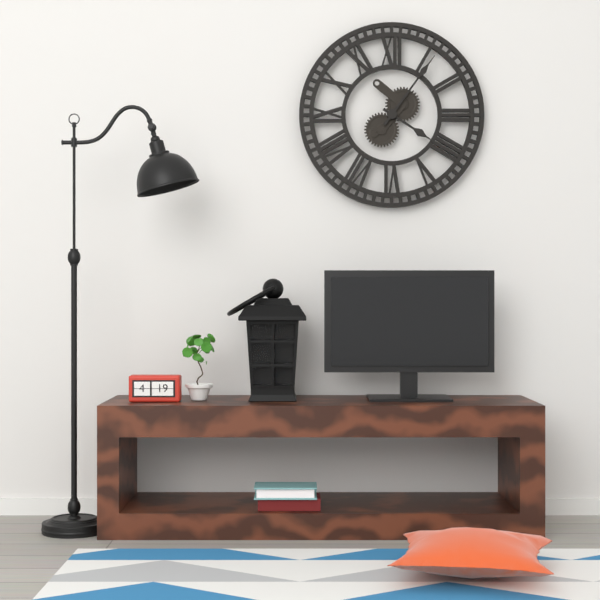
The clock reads 4h06
